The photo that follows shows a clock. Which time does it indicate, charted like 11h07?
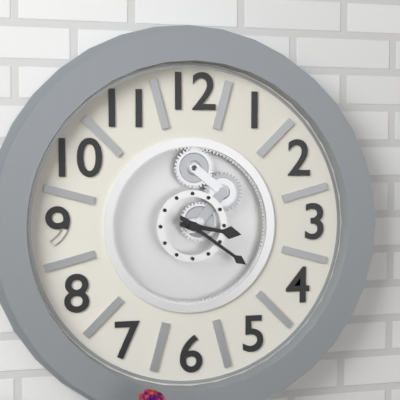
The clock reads 3h21
